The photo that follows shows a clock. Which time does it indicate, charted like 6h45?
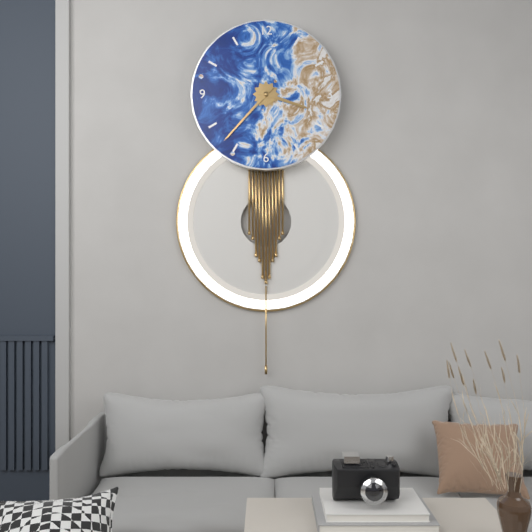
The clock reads 3h37
